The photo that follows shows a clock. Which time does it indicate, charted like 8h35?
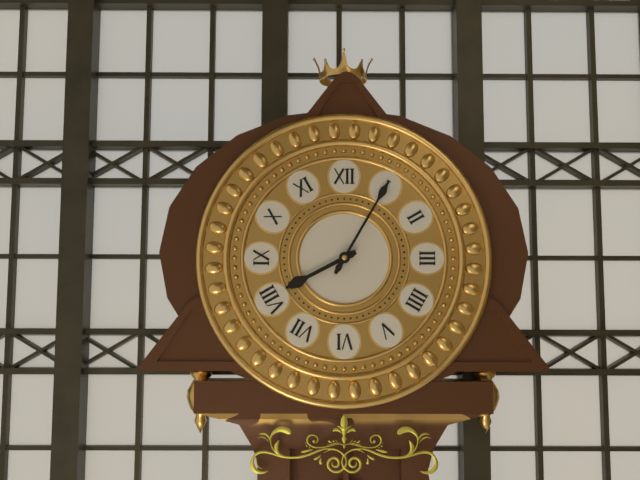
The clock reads 8h05
